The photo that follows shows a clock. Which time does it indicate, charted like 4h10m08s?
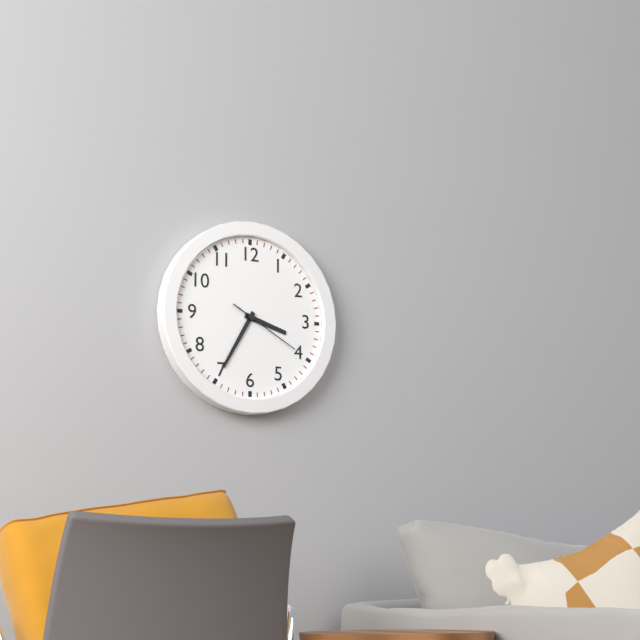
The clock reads 3h35m20s
